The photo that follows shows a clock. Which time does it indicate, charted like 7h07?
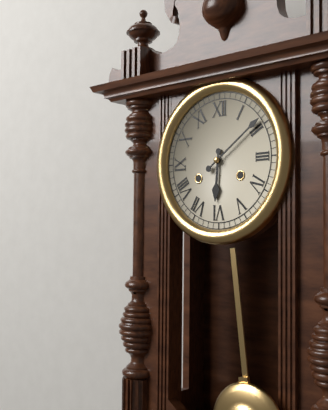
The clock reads 6h09
